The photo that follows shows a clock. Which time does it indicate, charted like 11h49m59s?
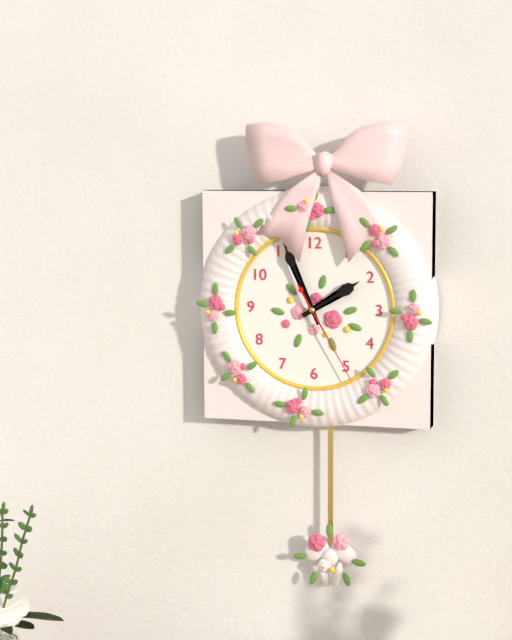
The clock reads 1h56m25s
